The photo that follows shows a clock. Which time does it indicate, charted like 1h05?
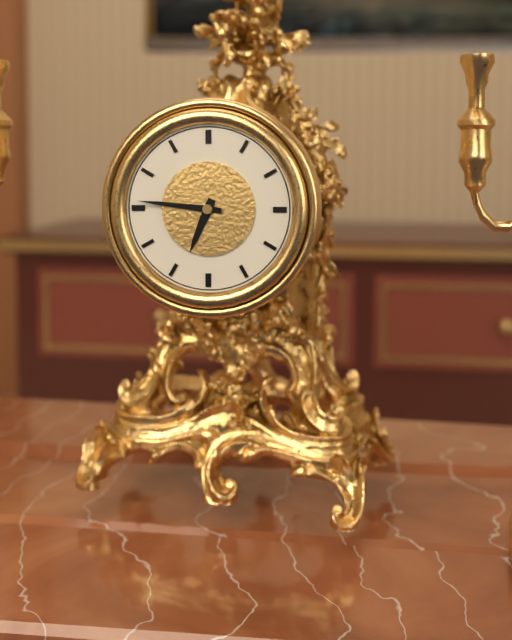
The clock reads 6h46
